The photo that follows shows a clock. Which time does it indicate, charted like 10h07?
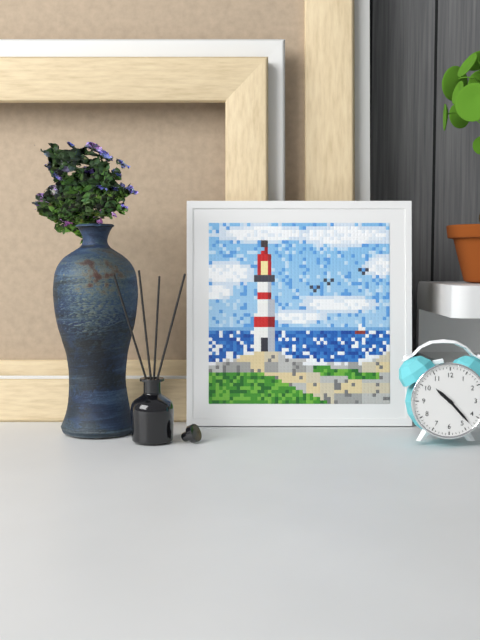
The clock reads 10h23
